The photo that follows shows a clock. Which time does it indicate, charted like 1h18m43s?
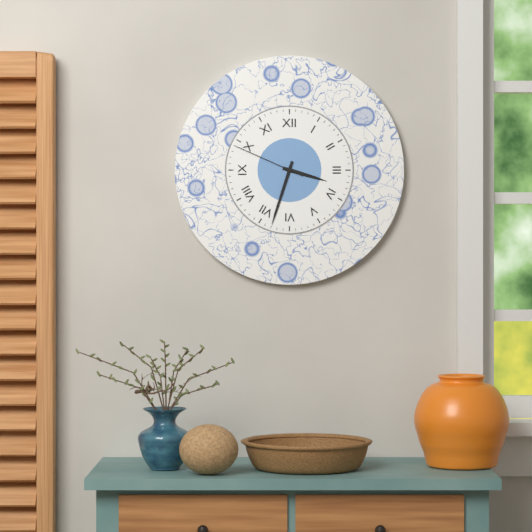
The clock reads 3h33m49s
